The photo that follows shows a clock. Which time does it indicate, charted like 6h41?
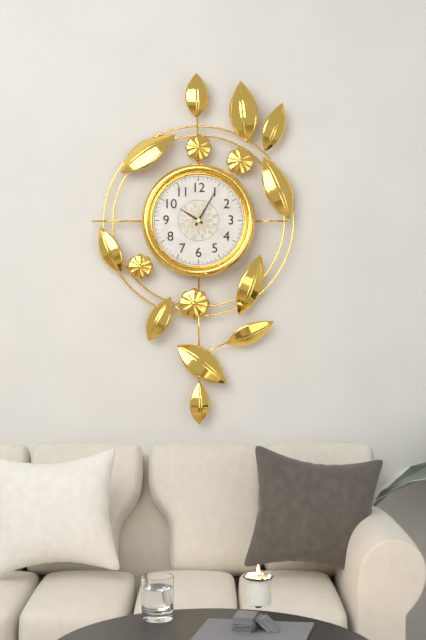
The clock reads 10h05
